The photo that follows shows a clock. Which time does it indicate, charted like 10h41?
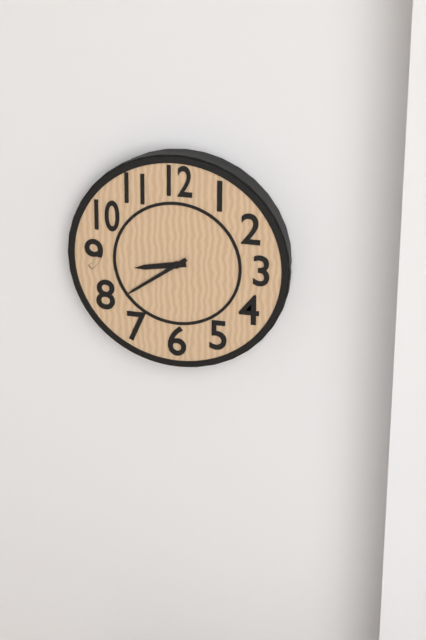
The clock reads 8h39
